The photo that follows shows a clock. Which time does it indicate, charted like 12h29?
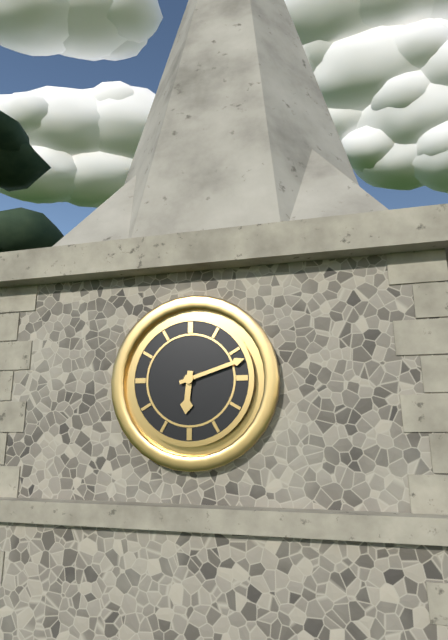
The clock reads 6h12
